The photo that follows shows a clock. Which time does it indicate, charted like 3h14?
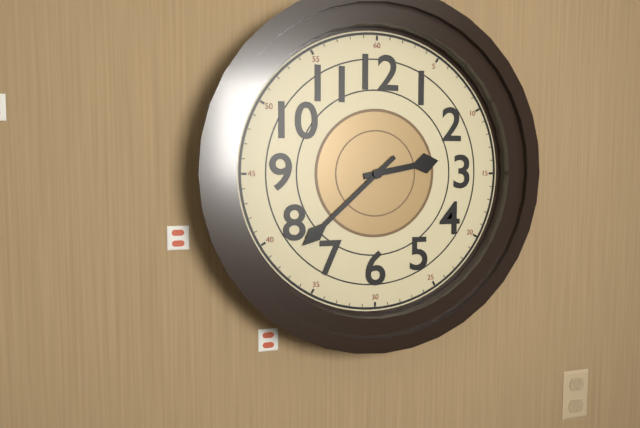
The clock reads 2h38
